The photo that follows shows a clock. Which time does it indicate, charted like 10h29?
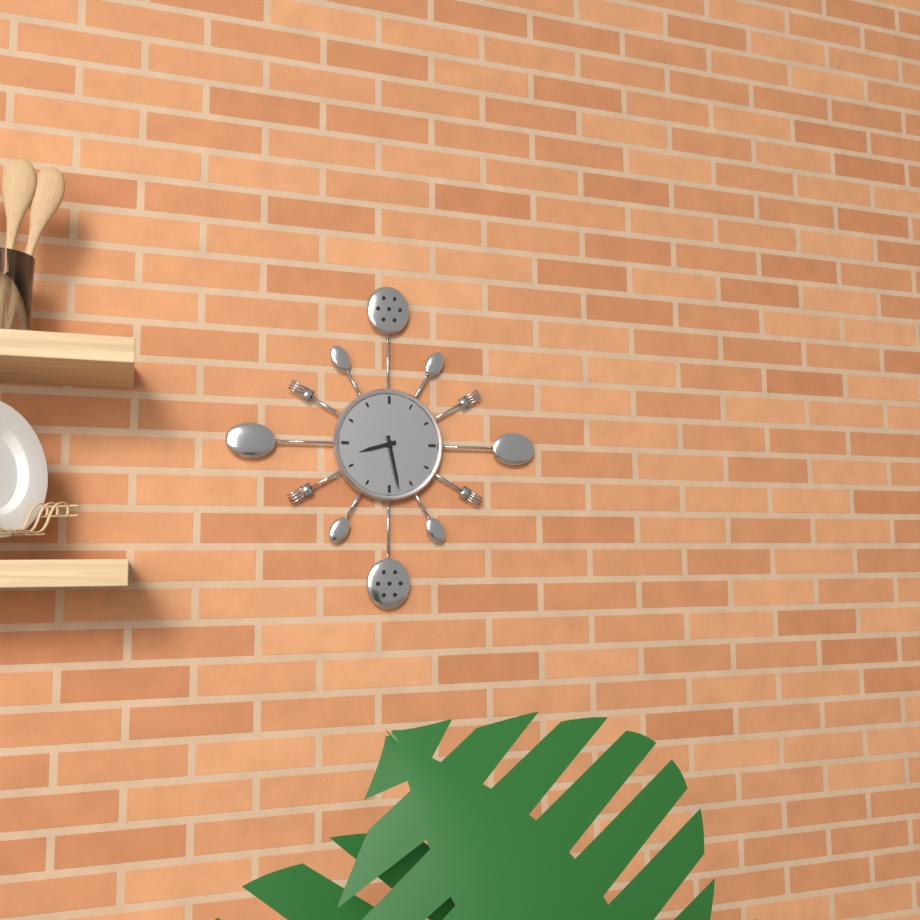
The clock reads 8h28
